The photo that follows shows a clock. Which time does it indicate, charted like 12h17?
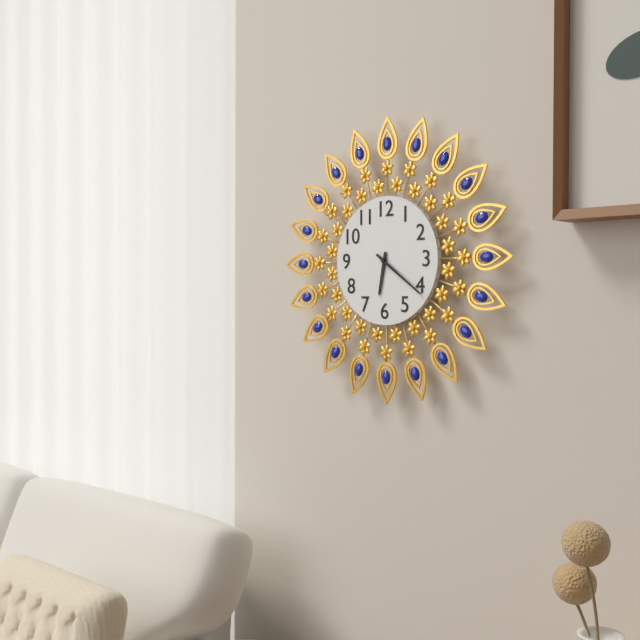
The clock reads 6h21
